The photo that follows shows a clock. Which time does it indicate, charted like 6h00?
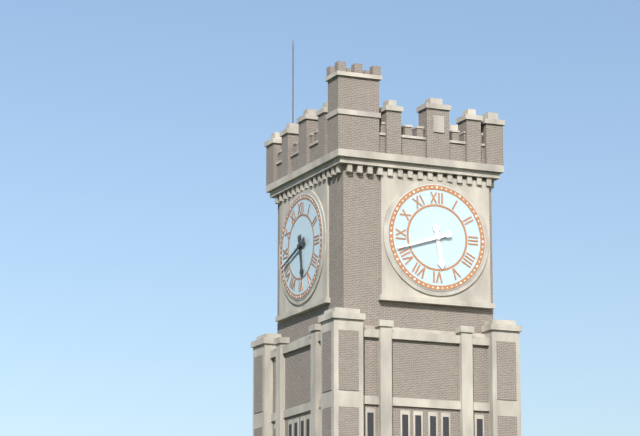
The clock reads 5h42
